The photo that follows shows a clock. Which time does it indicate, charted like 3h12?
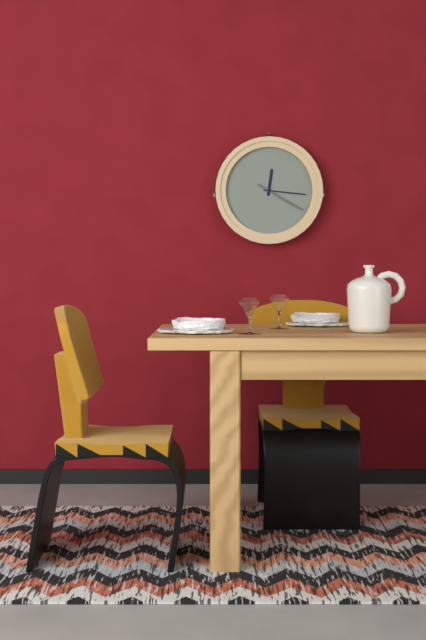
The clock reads 12h16
